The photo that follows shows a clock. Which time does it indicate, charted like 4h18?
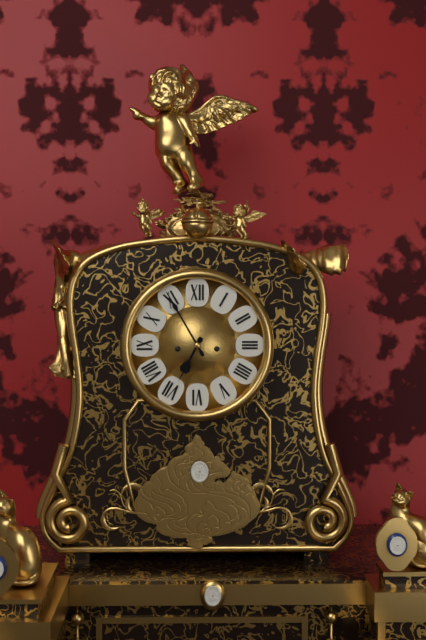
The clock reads 6h55
